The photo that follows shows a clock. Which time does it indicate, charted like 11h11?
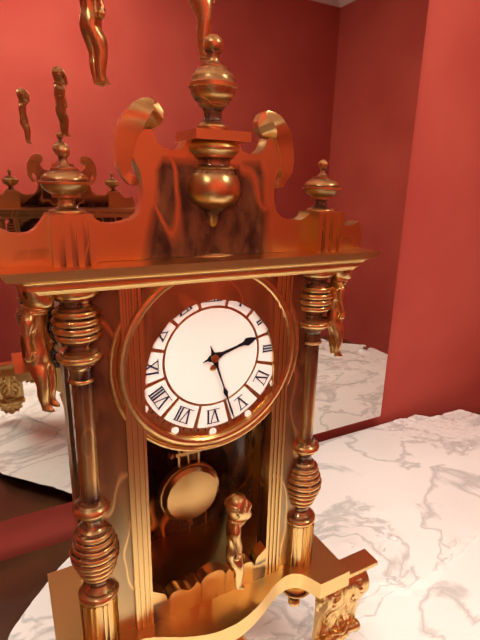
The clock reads 2h27
